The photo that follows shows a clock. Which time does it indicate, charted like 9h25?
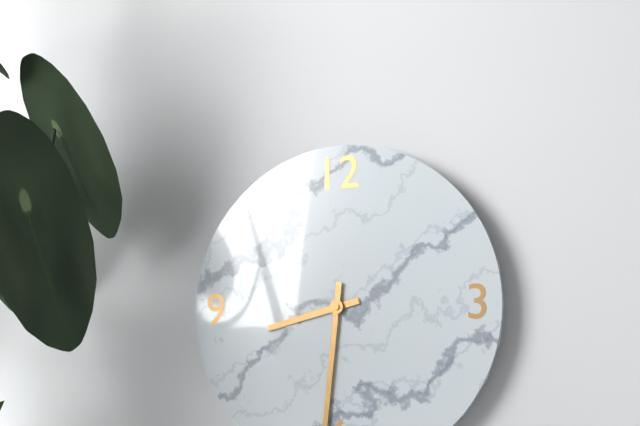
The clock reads 8h31
